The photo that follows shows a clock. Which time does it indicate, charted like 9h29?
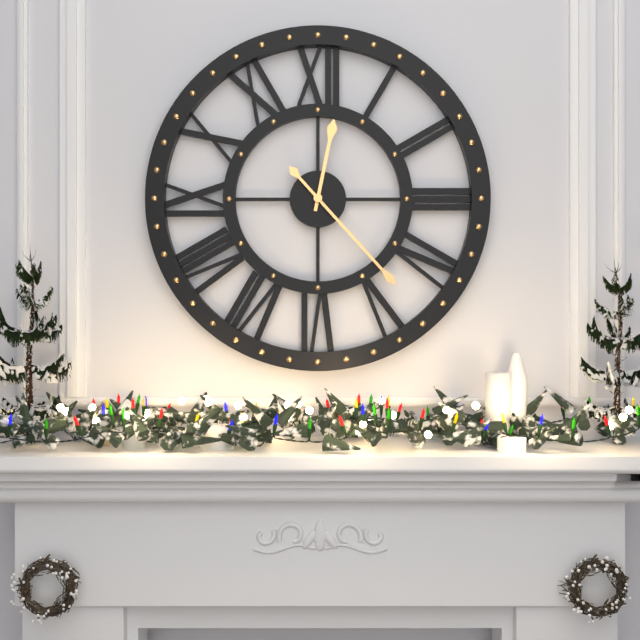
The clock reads 12h23
